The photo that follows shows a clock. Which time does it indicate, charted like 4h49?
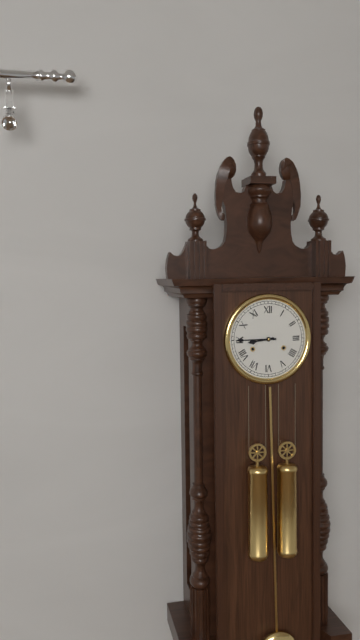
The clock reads 8h45
